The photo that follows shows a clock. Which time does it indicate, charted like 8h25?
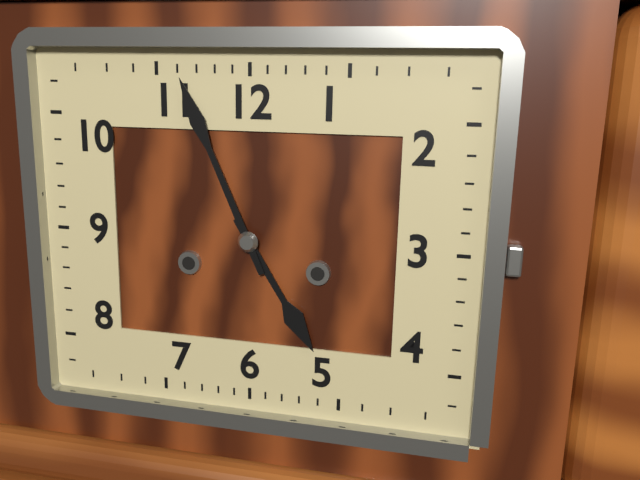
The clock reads 4h56
